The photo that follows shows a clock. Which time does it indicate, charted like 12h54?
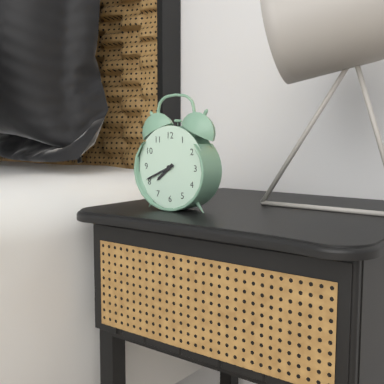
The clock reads 7h41
